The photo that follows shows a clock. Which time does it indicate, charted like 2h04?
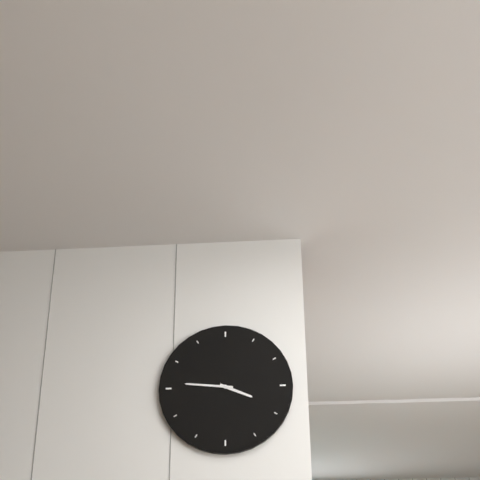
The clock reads 3h46
